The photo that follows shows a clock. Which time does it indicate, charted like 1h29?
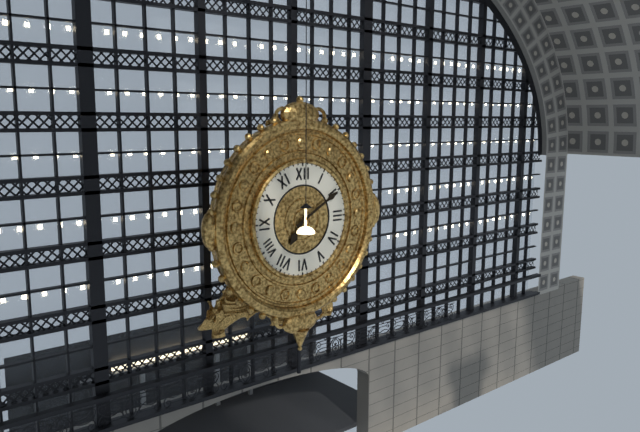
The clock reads 7h10
